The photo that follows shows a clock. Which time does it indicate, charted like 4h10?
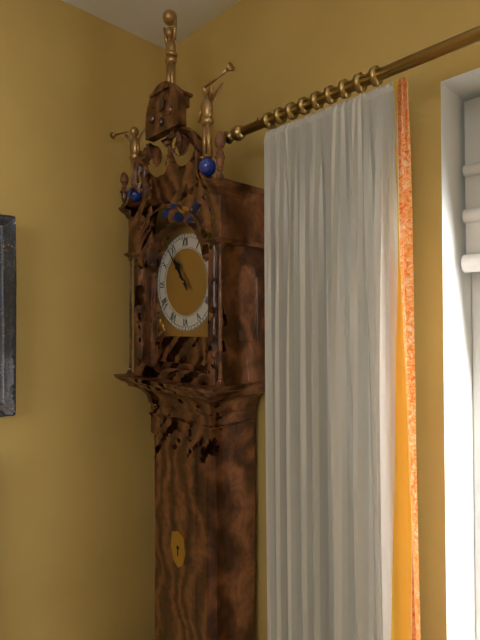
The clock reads 10h54
